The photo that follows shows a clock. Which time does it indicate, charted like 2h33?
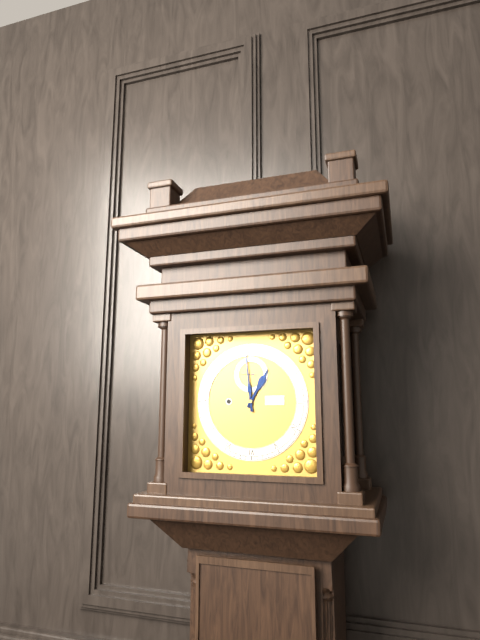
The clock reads 12h59
